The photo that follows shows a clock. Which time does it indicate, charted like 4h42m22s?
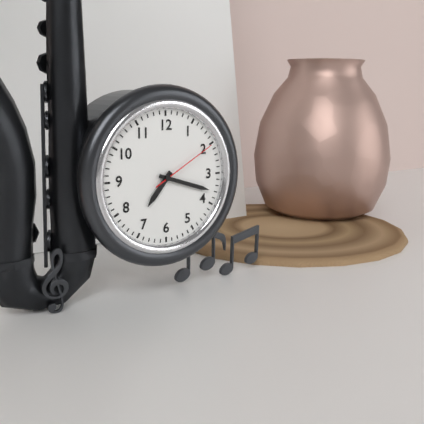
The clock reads 7h18m10s
